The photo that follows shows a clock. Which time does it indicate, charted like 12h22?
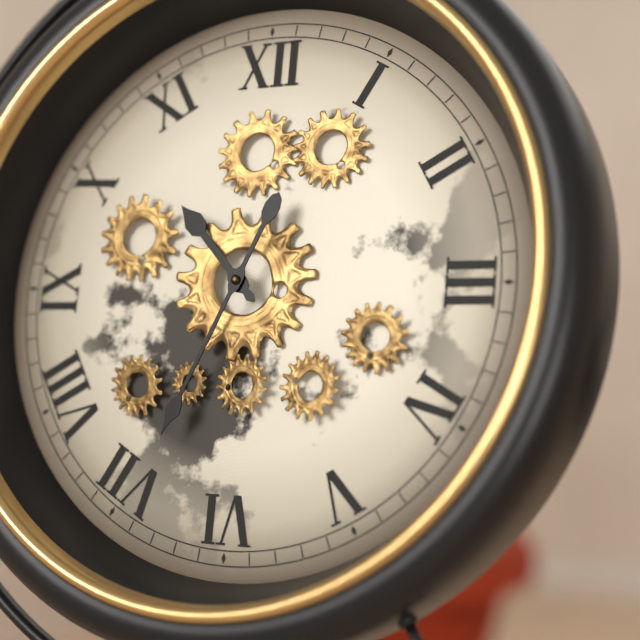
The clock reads 10h34
